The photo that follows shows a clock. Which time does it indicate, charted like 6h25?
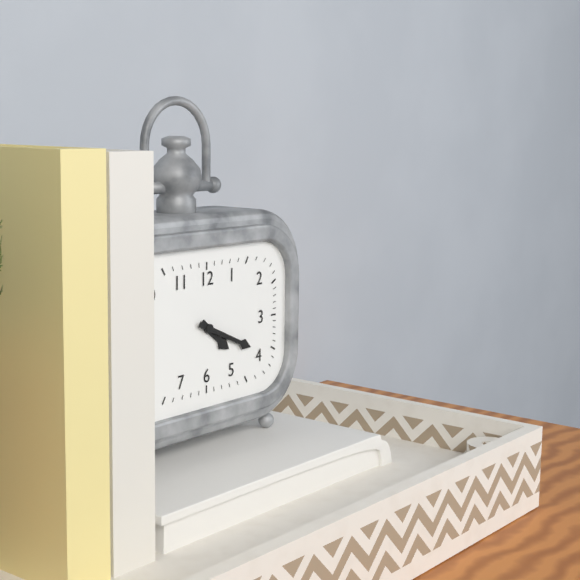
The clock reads 4h19
